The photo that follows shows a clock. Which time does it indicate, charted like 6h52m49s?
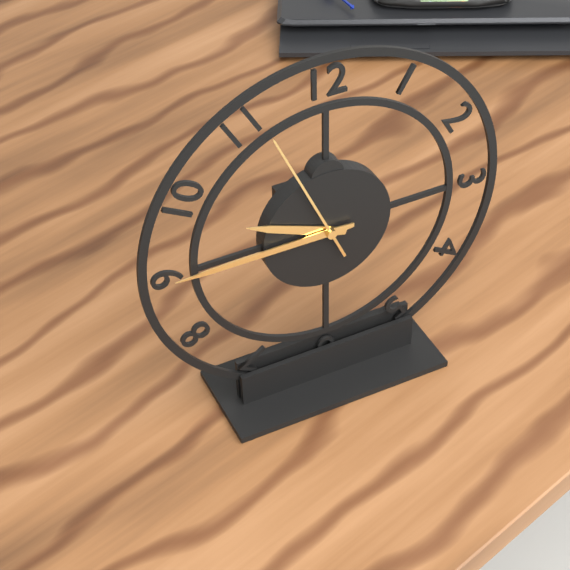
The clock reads 9h45m56s
